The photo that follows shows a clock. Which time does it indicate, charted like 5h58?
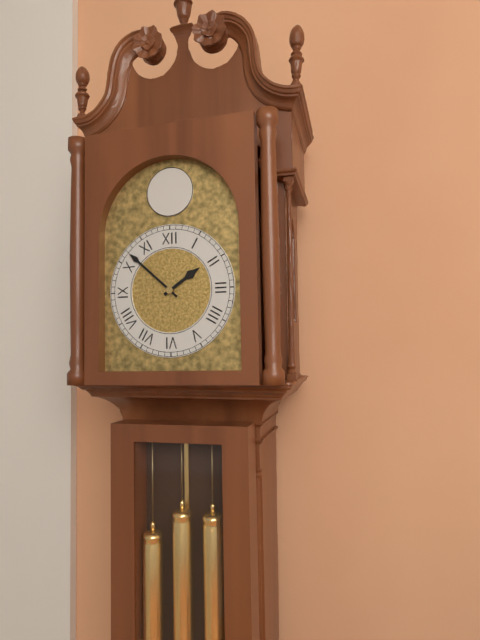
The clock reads 1h52
